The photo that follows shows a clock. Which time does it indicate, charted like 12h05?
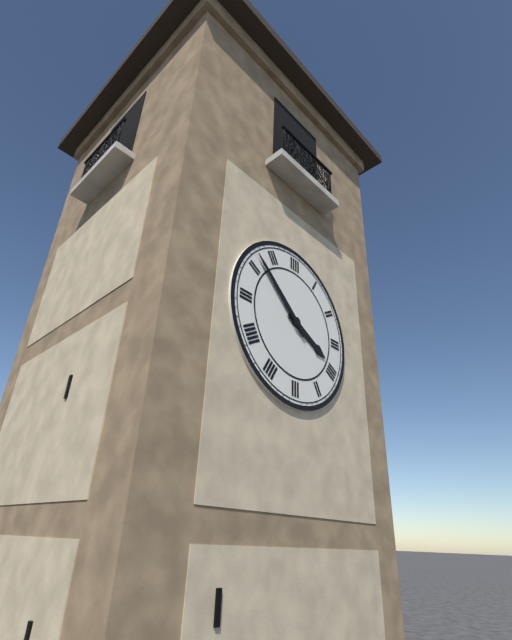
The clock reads 3h52
